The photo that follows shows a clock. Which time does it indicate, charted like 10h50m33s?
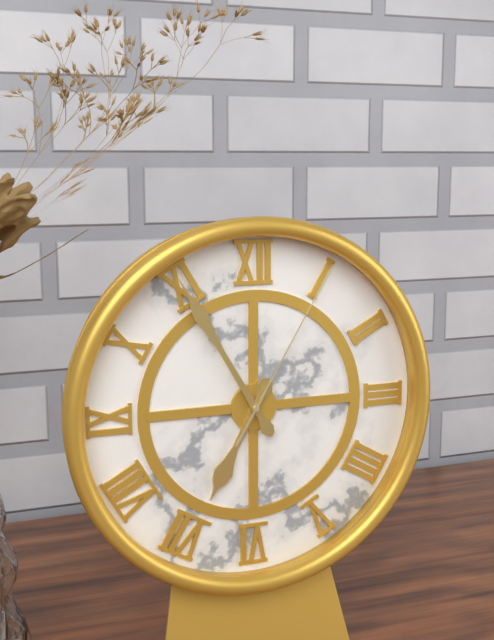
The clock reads 6h55m05s
